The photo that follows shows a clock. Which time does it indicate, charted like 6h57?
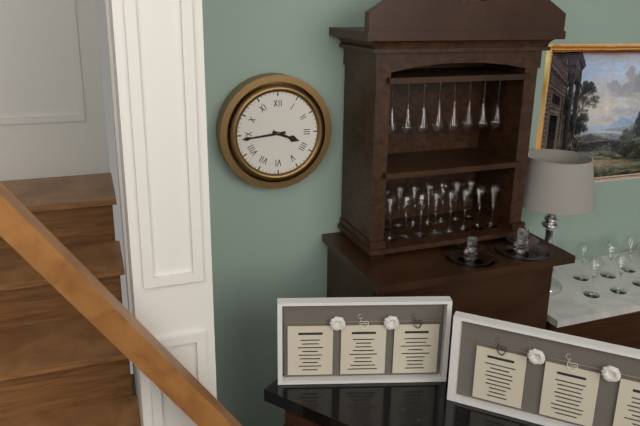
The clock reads 3h44
